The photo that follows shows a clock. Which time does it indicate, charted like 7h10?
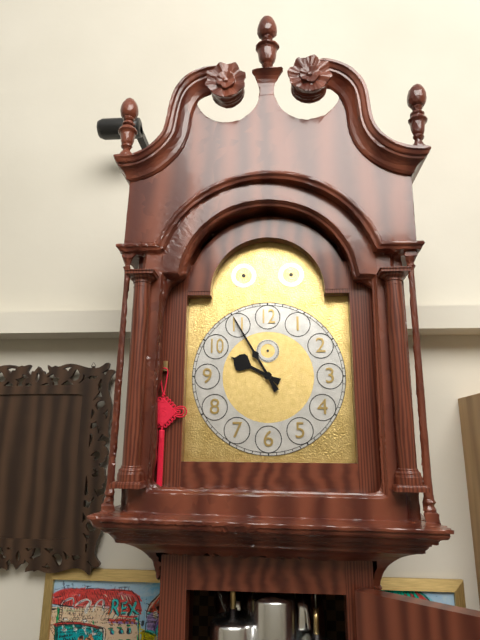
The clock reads 9h55
